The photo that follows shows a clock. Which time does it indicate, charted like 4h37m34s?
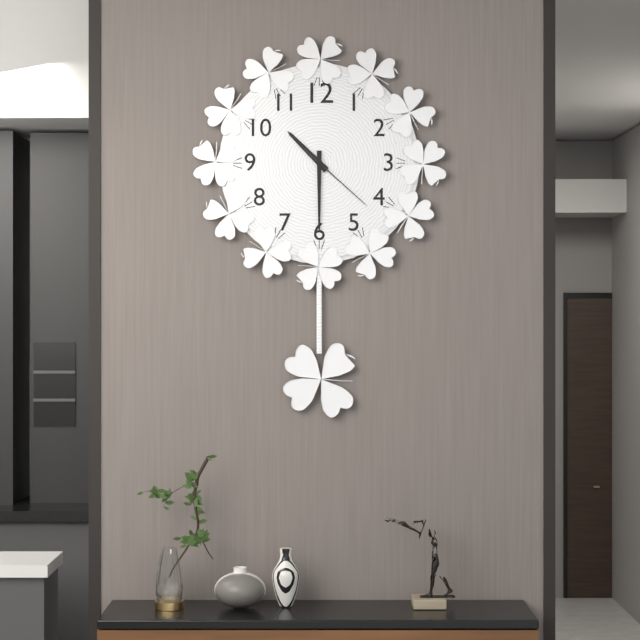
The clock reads 10h30m22s
